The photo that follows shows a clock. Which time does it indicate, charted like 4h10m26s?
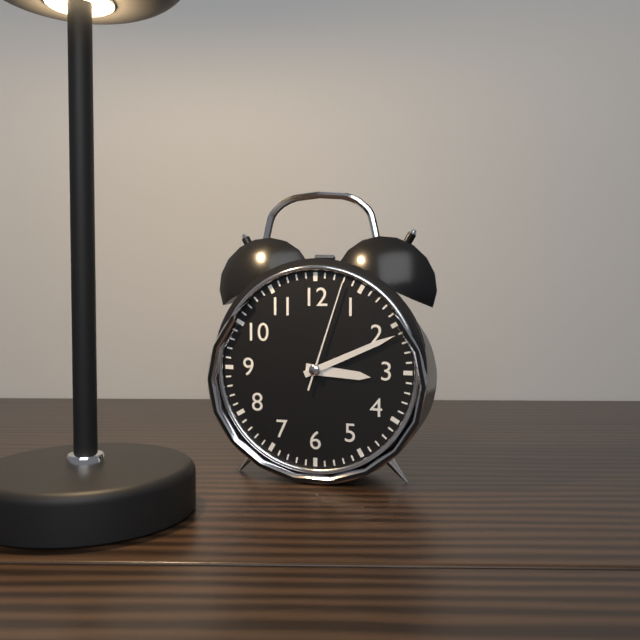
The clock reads 3h11m03s
